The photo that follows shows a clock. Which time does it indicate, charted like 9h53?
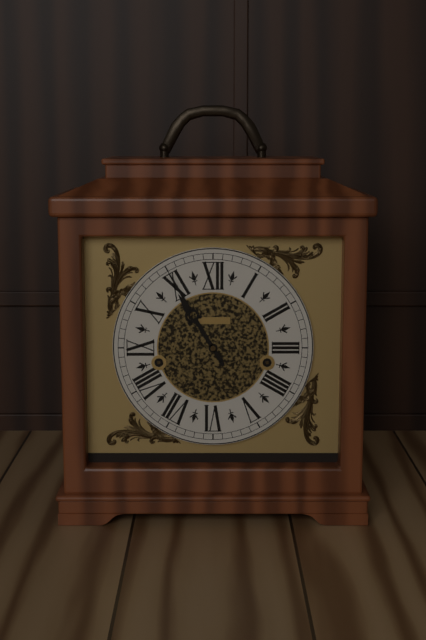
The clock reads 10h55
